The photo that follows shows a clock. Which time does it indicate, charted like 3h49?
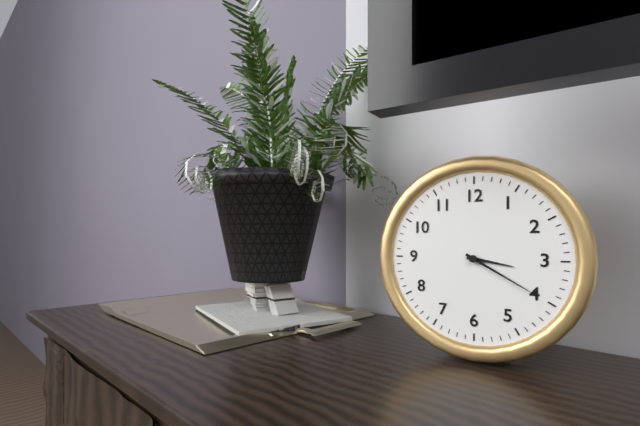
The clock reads 3h20
